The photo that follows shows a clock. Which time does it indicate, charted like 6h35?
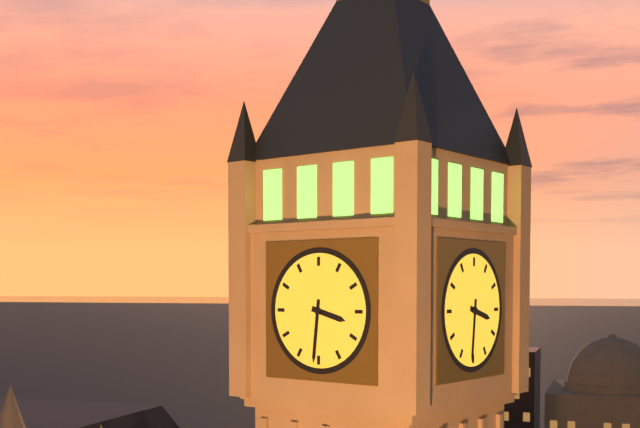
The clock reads 3h31
